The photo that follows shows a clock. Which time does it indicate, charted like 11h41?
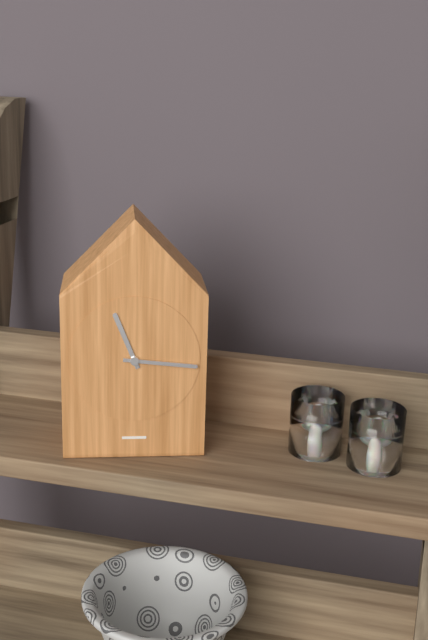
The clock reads 11h16
